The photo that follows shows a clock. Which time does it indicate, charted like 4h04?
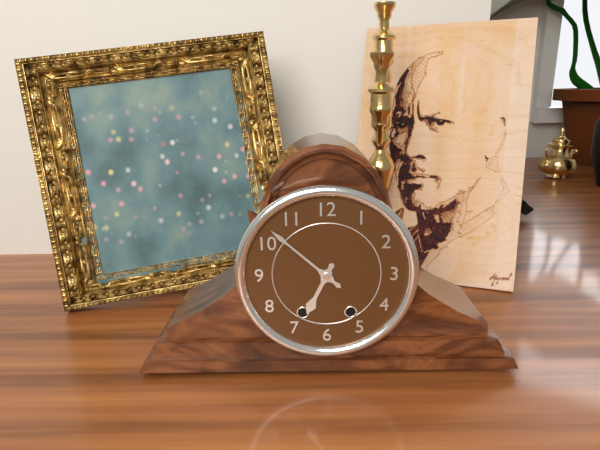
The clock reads 6h52
